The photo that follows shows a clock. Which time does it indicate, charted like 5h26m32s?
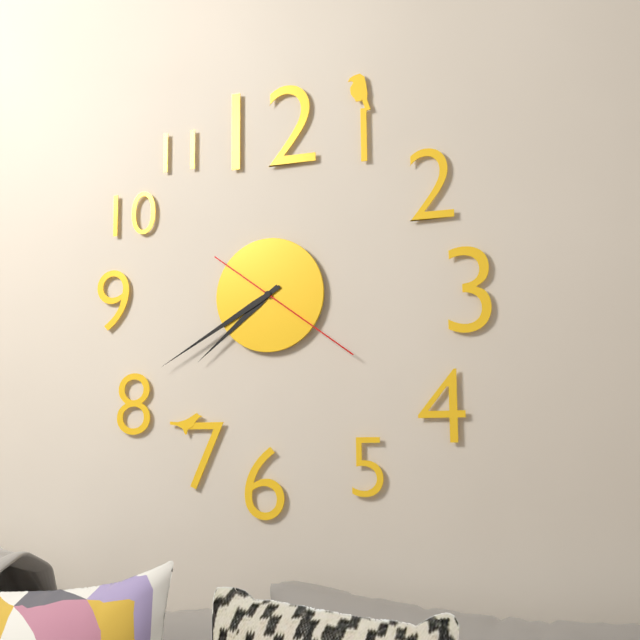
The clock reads 7h40m21s
